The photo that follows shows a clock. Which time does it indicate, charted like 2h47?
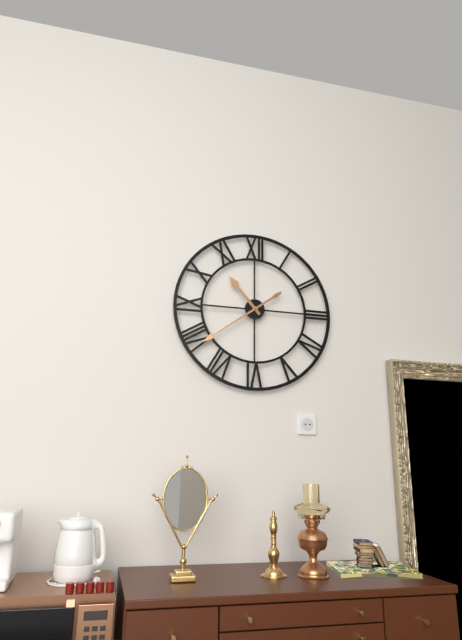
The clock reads 10h39
